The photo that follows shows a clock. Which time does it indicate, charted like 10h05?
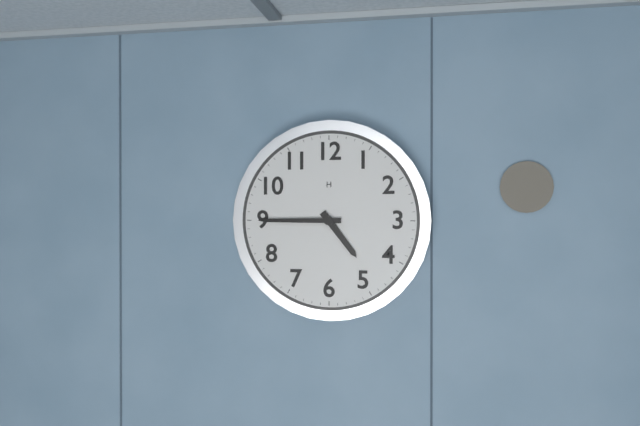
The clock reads 4h45
